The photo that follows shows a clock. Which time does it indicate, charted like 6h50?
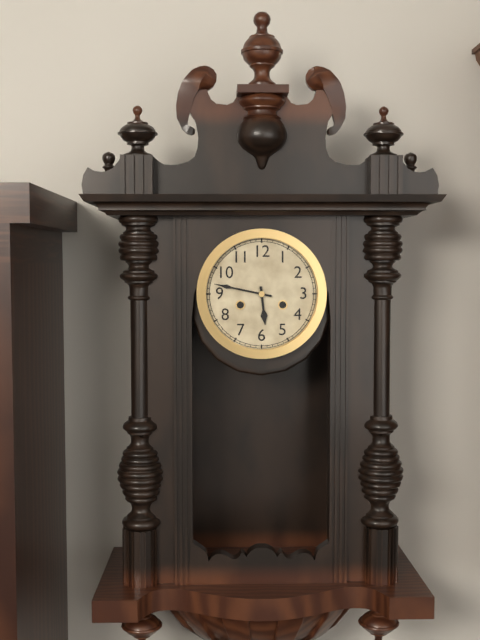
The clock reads 5h47
